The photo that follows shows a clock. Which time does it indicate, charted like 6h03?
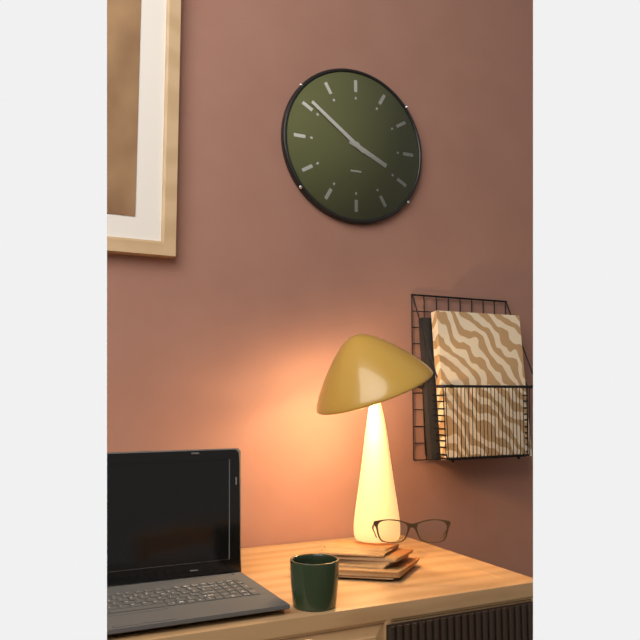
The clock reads 3h51
